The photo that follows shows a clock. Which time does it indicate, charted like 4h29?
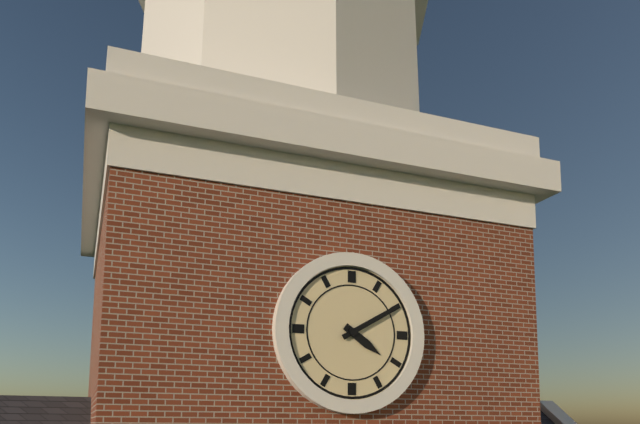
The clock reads 4h10
